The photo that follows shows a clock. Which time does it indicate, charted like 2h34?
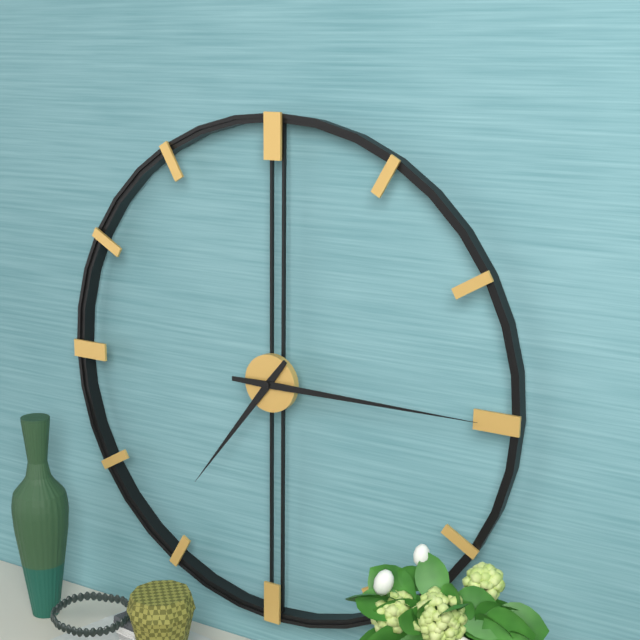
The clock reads 7h15
